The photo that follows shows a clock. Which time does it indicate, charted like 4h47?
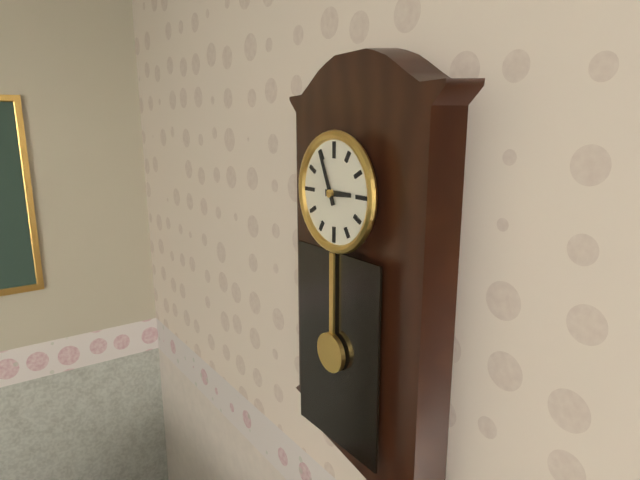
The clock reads 2h56
